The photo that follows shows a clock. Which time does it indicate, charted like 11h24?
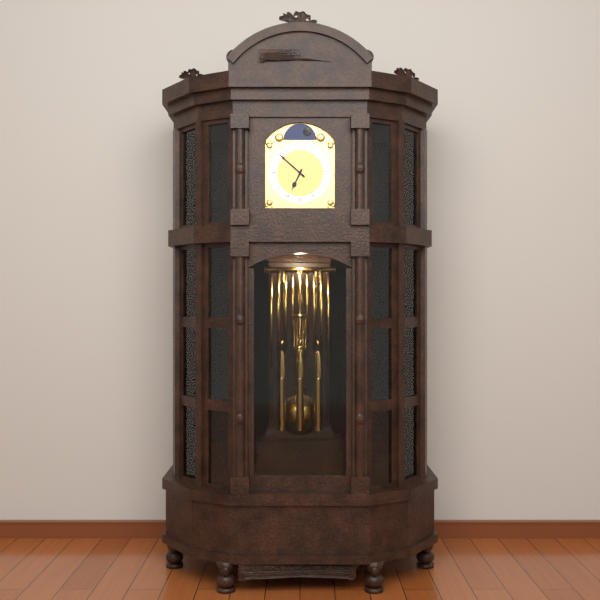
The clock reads 6h52
